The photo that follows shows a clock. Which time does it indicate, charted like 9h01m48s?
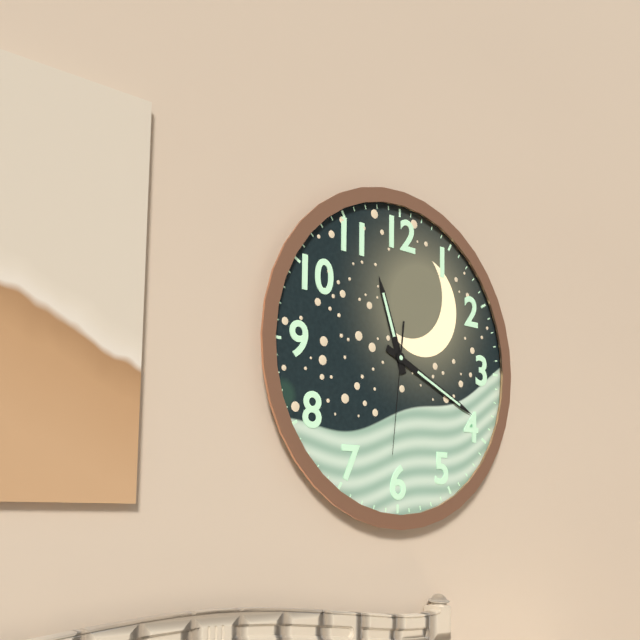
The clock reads 11h19m31s
